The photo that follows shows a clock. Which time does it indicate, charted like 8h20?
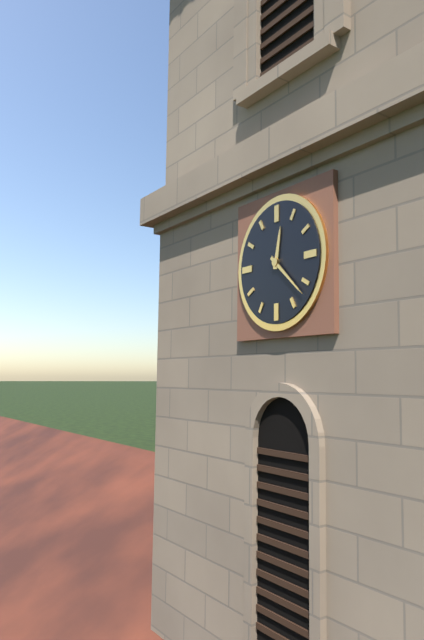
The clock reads 12h22
